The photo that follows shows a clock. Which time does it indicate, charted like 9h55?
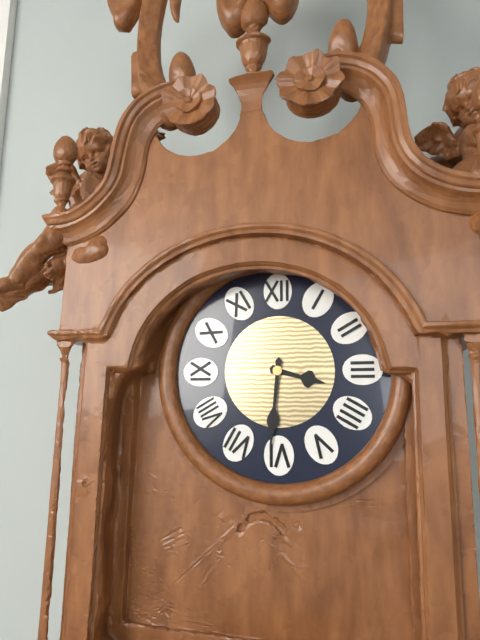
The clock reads 3h31
